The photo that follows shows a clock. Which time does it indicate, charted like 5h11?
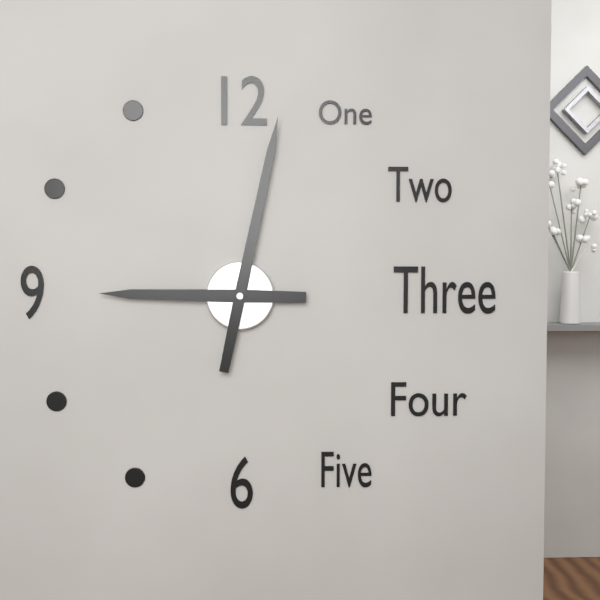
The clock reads 9h02
